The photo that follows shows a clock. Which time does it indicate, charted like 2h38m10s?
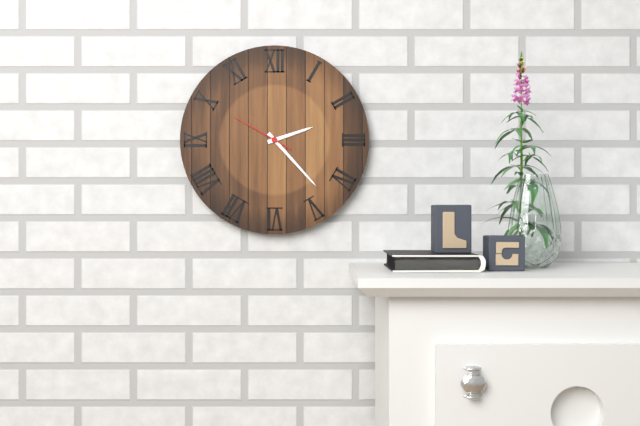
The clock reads 2h23m50s
